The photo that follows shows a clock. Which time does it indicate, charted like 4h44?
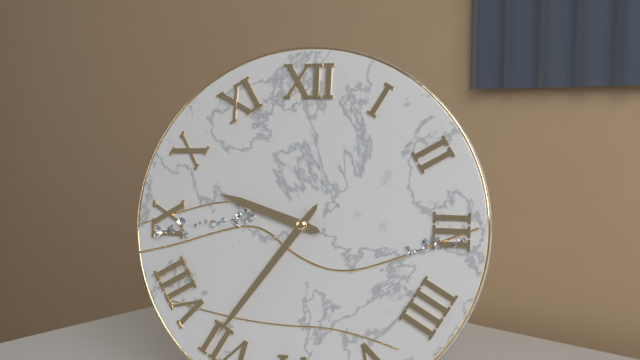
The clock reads 9h36
